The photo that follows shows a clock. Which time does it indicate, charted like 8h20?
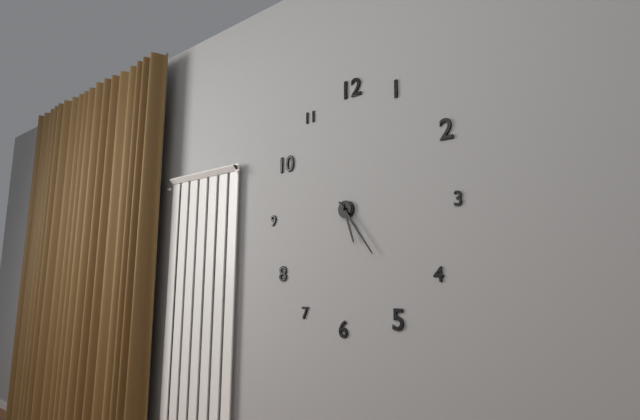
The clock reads 5h24
